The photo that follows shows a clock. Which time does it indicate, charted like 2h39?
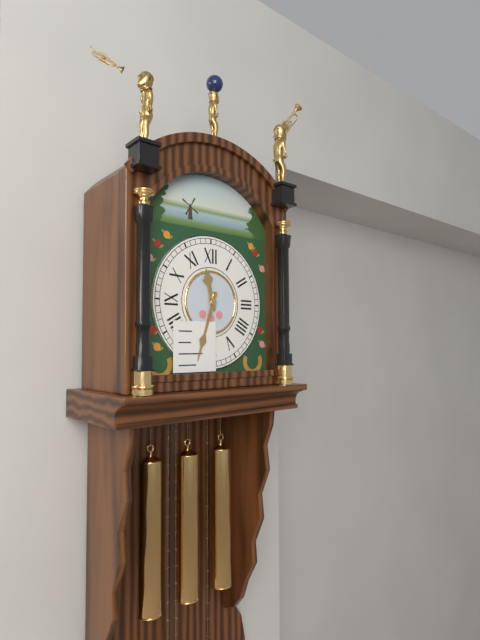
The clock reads 11h33
